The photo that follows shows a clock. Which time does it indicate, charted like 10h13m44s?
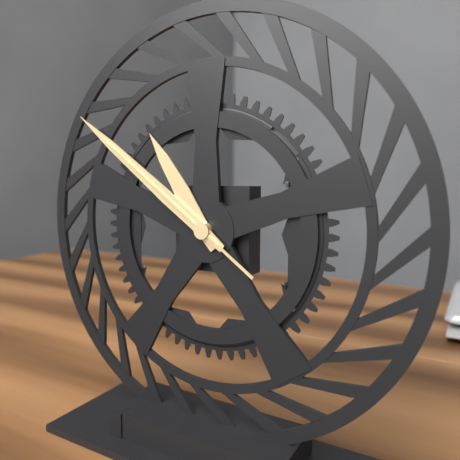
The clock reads 10h51m51s
